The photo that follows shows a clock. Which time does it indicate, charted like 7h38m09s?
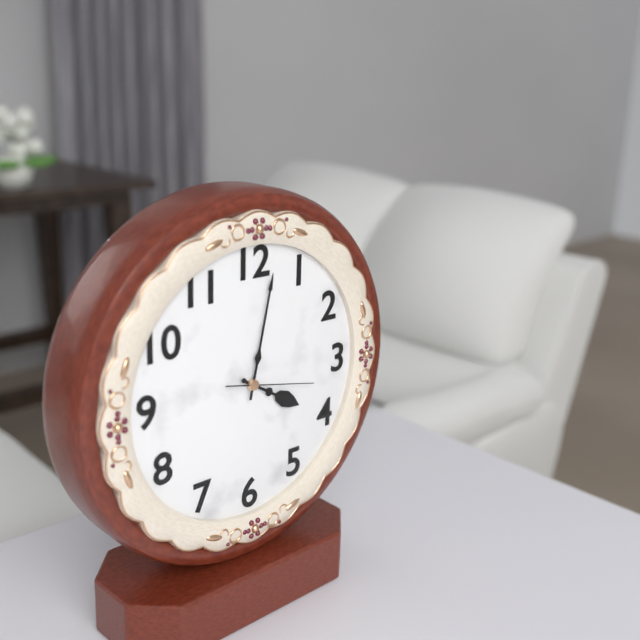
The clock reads 4h02m17s
